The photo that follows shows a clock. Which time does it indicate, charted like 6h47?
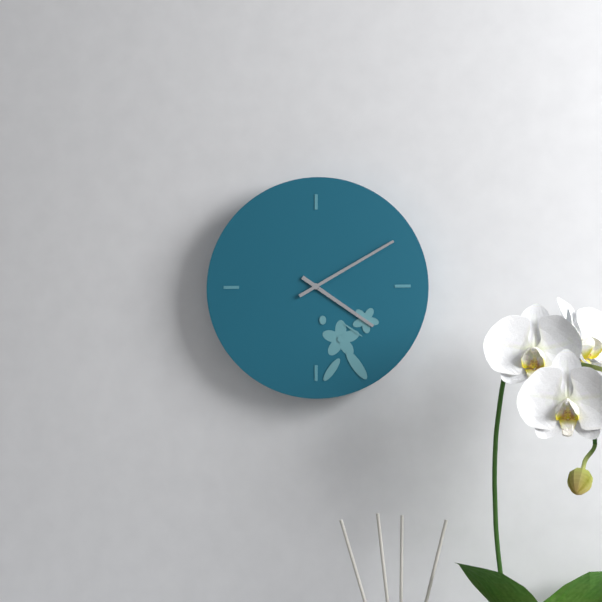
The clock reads 4h10
